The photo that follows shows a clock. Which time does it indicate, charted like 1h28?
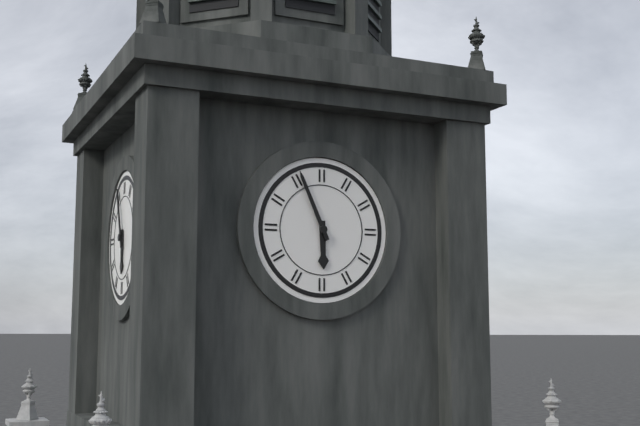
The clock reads 5h56
